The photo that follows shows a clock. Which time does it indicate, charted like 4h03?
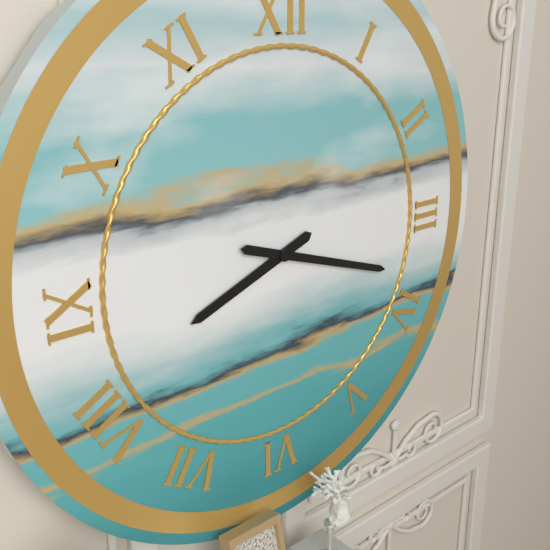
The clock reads 8h18
